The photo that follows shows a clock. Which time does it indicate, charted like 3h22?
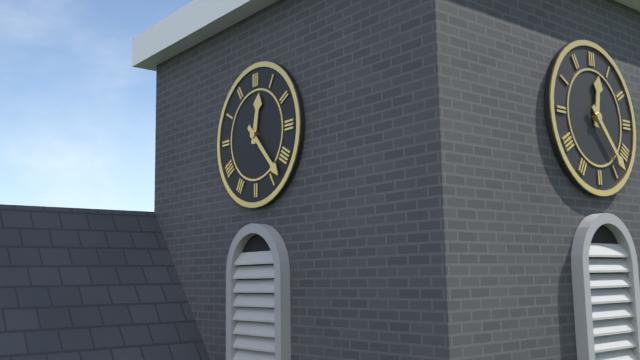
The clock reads 12h23
